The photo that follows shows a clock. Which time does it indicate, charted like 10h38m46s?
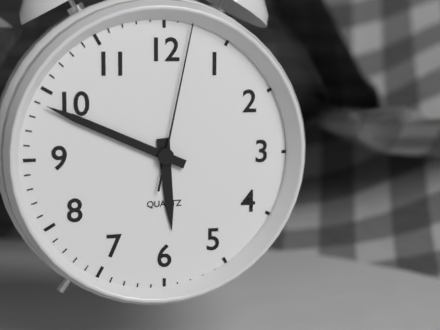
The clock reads 5h49m02s
